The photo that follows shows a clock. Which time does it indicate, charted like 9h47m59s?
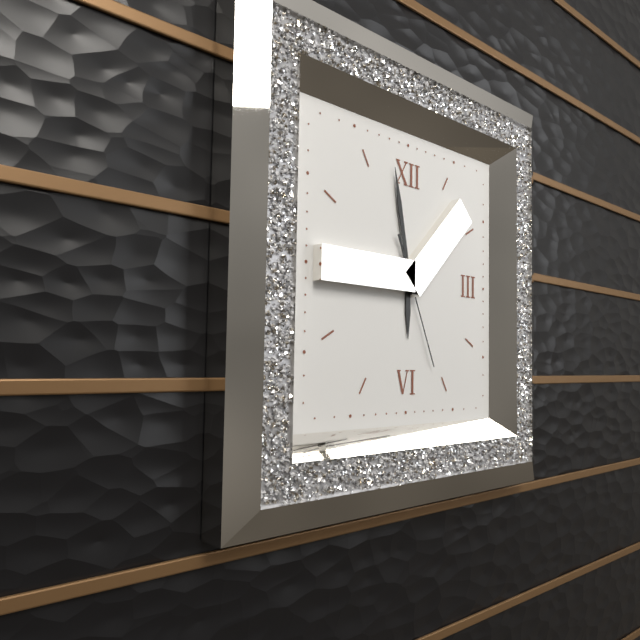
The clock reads 5h58m26s
